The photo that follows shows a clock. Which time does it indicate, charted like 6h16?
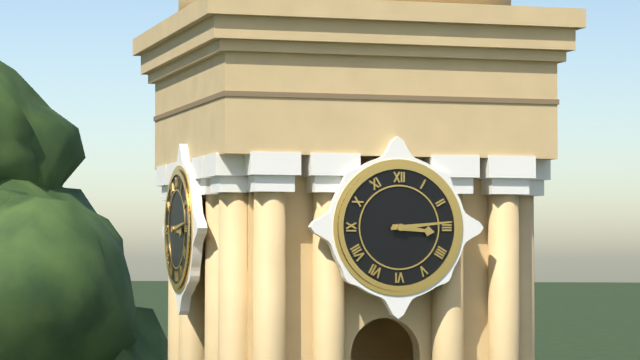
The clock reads 3h14
